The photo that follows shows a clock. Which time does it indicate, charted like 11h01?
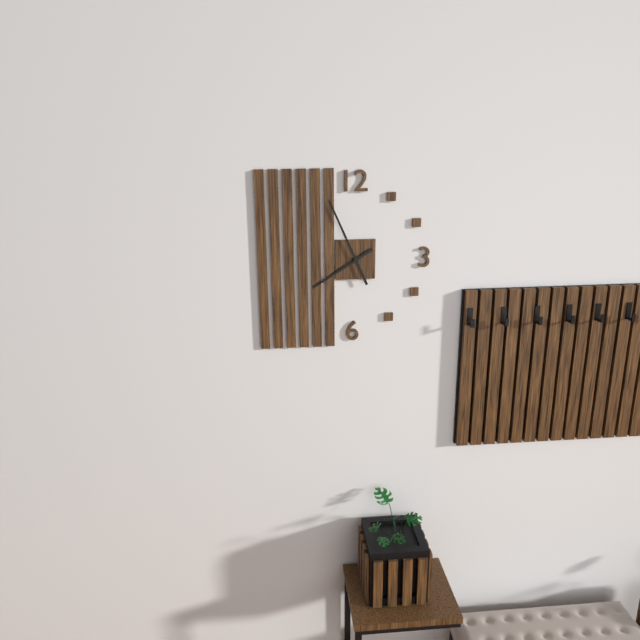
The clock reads 7h56
